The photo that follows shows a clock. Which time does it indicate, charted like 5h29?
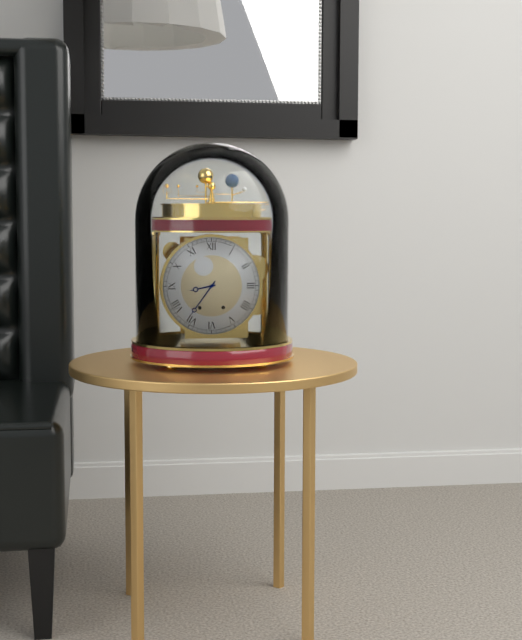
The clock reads 8h36
